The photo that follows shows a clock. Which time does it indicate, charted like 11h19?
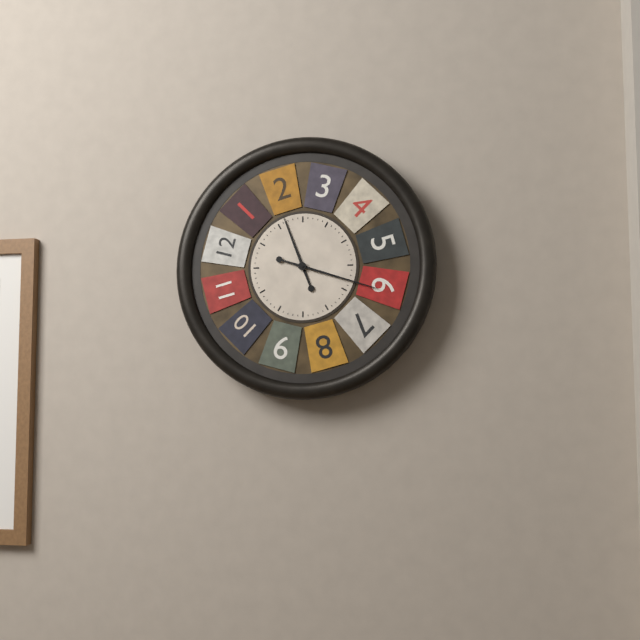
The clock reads 11h18
